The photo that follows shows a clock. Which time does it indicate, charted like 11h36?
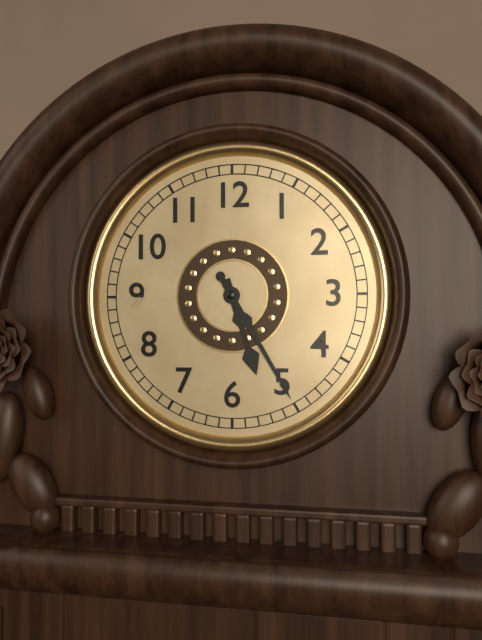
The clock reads 5h25
